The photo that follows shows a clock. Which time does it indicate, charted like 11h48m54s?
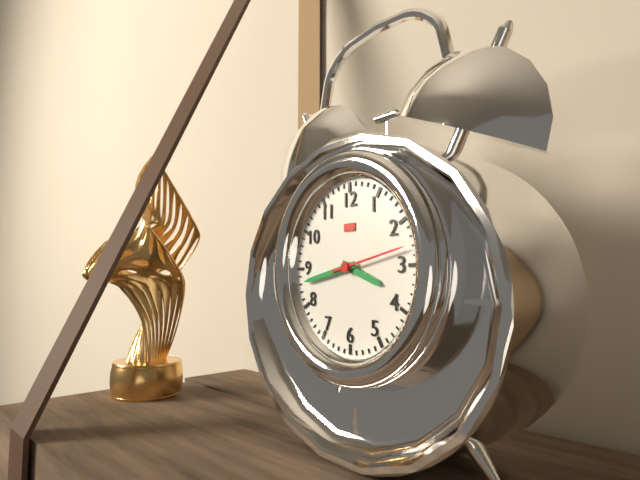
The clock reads 3h43m13s
